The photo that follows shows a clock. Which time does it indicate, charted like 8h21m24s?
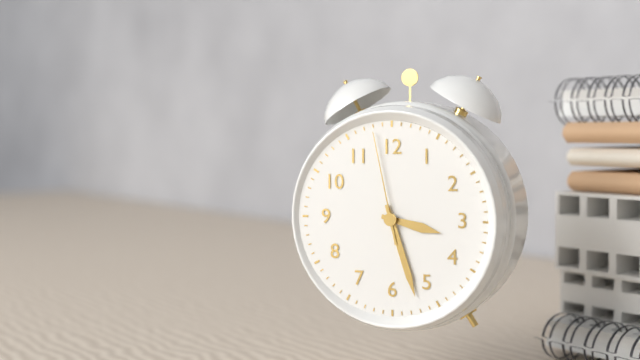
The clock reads 3h27m58s
